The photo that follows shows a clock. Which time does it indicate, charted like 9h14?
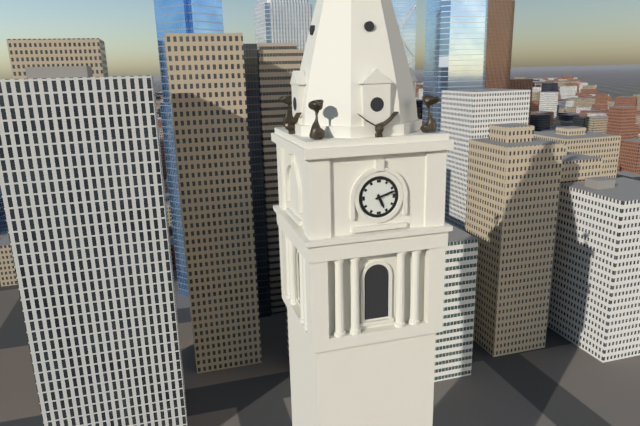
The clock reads 5h12
